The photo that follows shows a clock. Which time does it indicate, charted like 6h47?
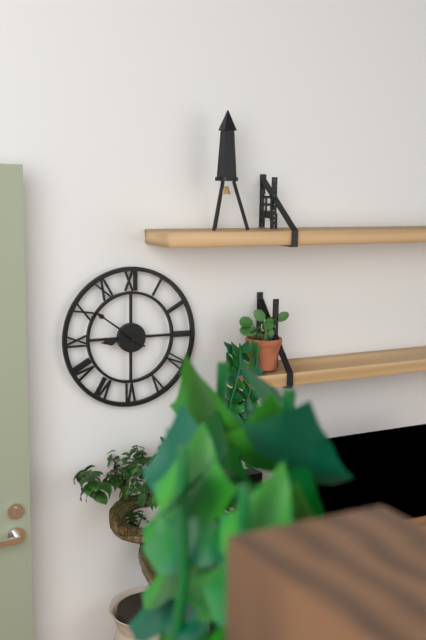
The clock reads 8h51
